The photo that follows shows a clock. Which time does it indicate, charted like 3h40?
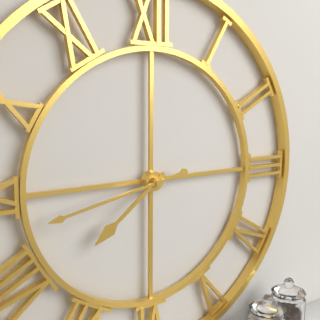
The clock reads 7h43
